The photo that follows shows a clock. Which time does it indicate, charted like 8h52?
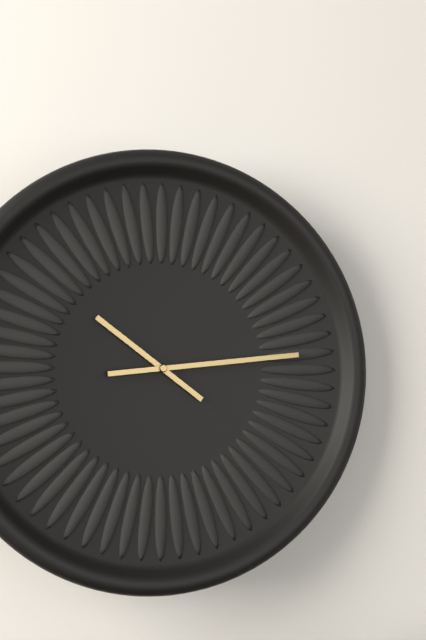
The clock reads 10h14
